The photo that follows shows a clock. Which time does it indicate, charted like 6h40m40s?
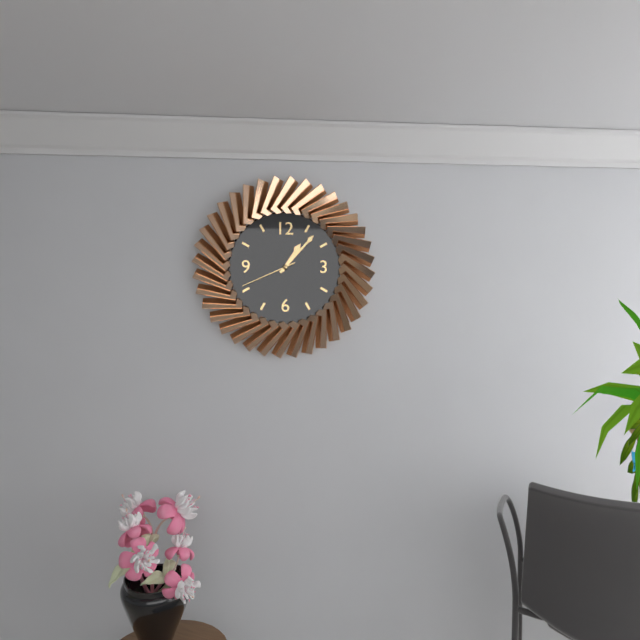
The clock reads 1h07m41s
